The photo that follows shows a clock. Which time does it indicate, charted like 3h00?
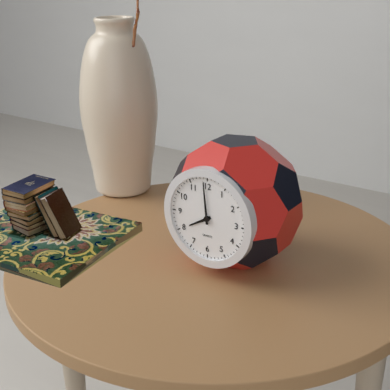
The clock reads 7h59
